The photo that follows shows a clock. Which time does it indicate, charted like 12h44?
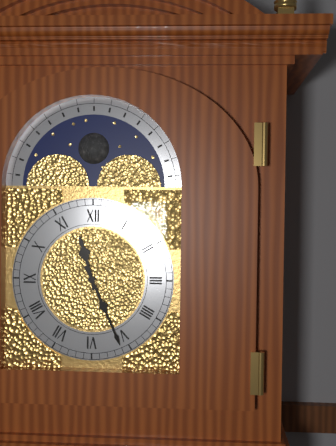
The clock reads 11h26
